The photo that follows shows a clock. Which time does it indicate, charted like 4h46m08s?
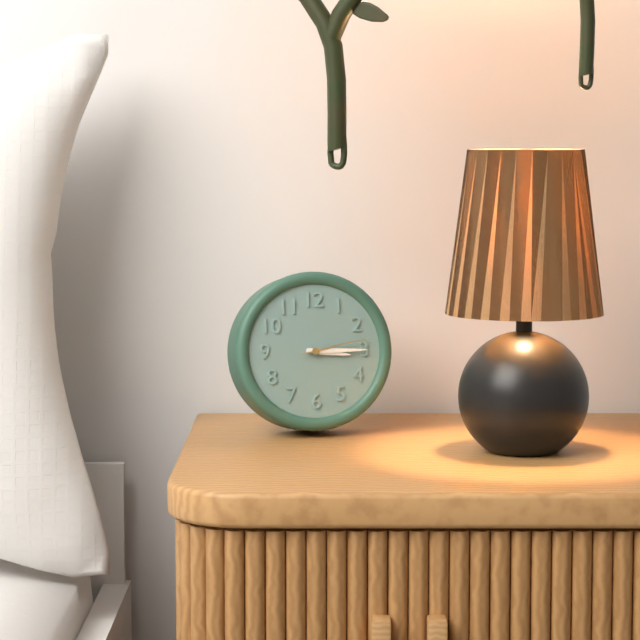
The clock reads 3h15m13s
